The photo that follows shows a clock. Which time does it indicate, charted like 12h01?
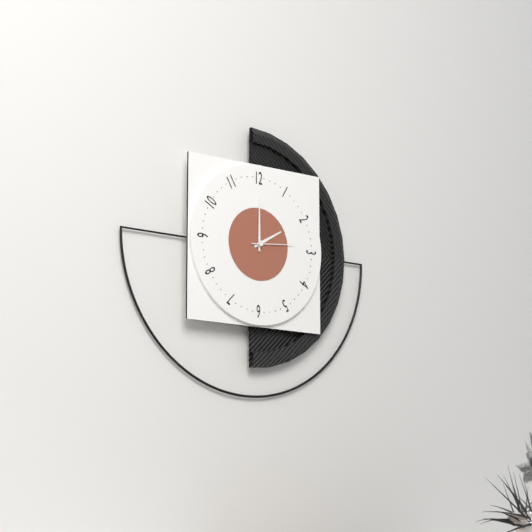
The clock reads 2h00
